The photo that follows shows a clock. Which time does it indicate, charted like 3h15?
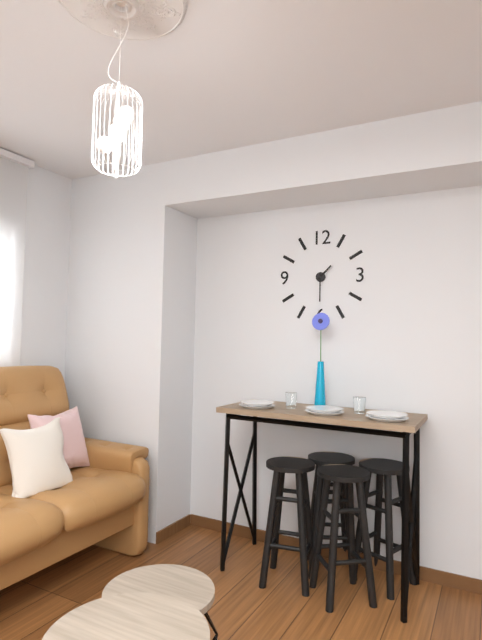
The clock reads 1h30
